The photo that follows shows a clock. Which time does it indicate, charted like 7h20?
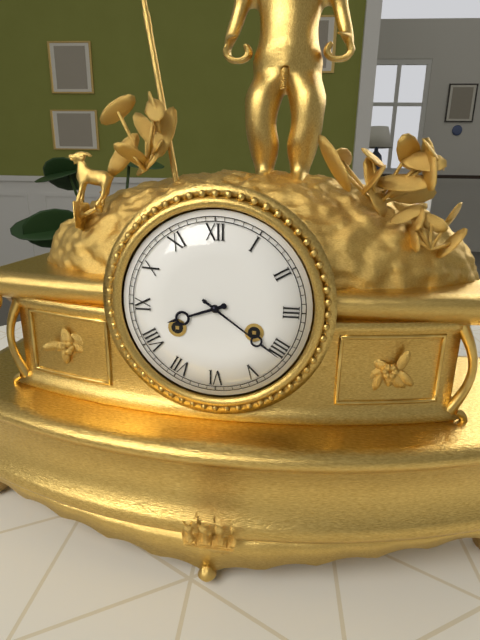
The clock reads 8h21
